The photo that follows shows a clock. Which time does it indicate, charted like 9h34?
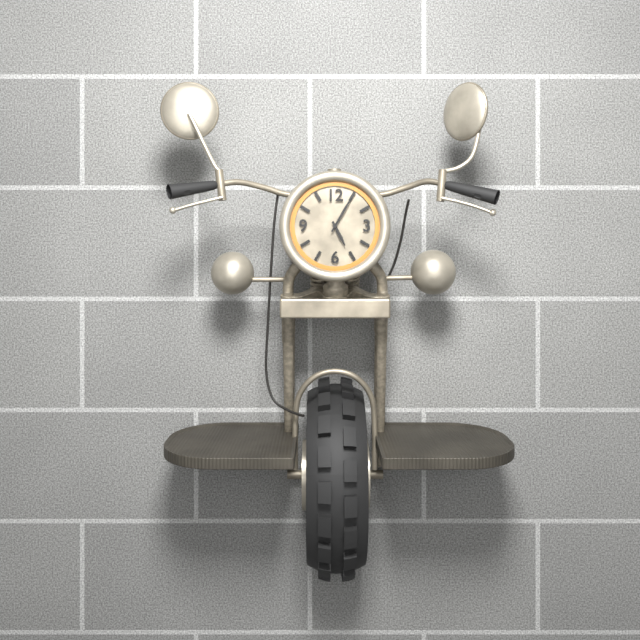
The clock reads 5h05
